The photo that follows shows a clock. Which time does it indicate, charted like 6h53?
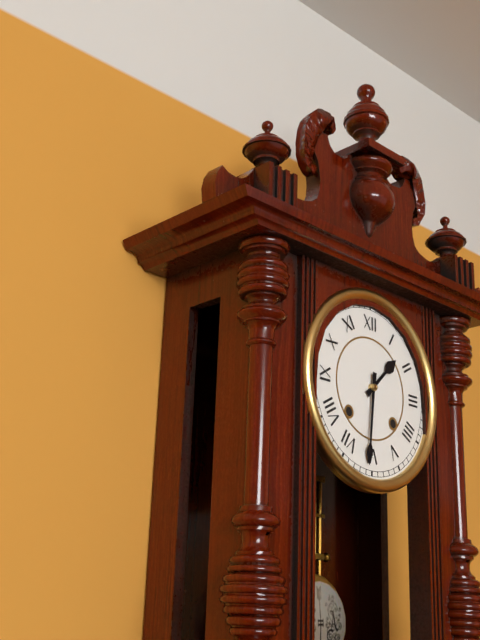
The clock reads 1h31
